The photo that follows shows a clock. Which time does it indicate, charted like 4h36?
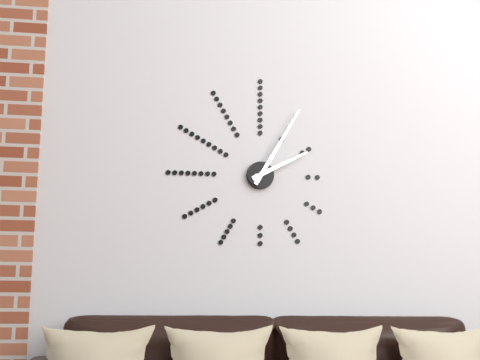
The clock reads 2h05
